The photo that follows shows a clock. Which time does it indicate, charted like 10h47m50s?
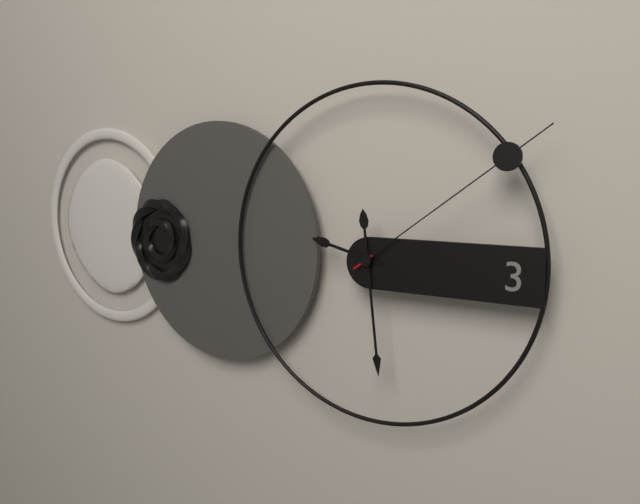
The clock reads 9h29m09s
